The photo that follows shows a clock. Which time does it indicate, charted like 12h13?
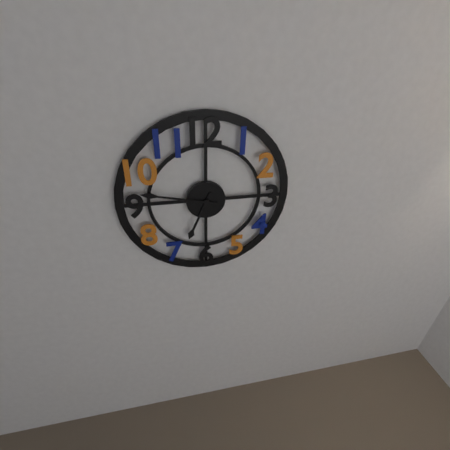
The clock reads 6h47
